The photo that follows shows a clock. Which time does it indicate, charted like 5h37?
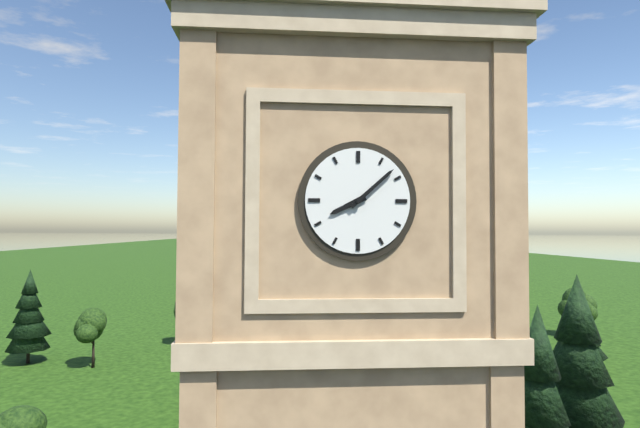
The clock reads 8h08
